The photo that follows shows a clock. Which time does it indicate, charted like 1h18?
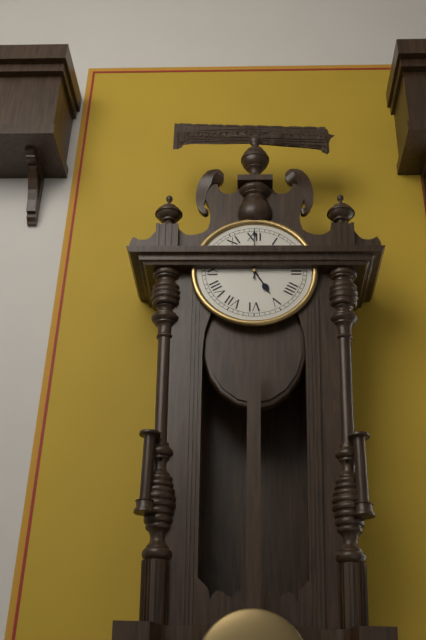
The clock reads 5h00
